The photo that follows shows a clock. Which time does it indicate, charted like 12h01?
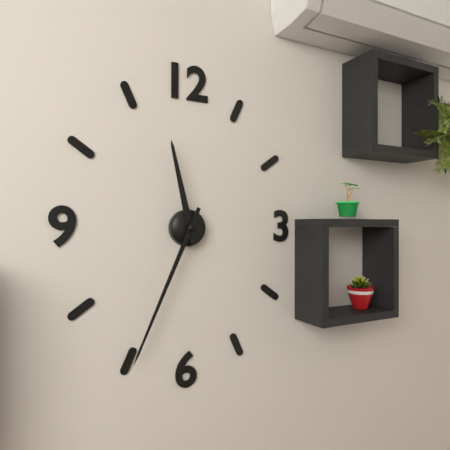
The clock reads 11h34
